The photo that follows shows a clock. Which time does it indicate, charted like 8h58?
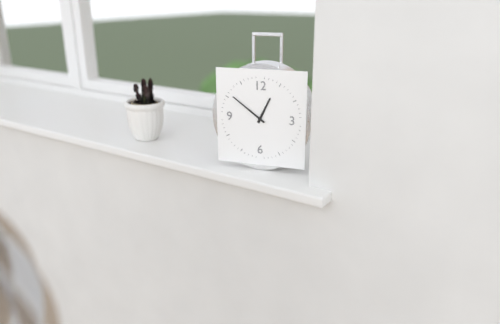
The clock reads 12h51
